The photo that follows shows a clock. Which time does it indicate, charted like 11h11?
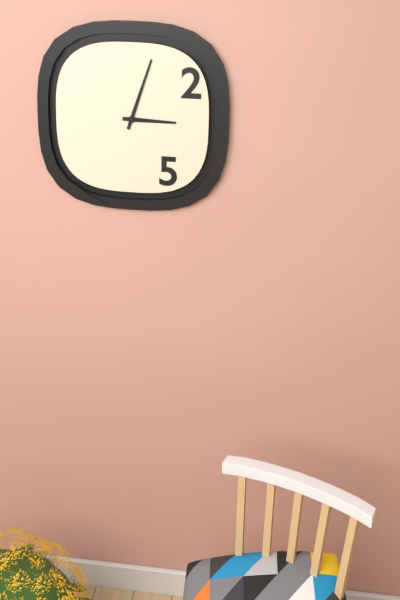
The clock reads 3h03
